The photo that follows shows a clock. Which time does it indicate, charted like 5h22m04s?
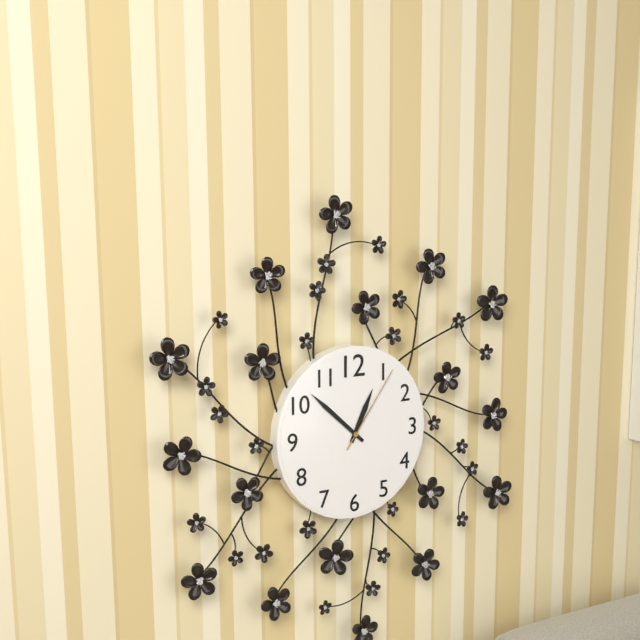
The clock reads 12h52m06s
